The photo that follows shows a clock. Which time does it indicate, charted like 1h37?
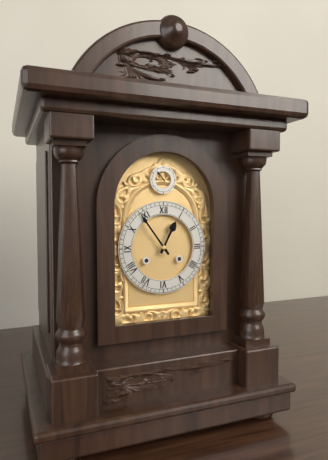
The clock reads 12h54
